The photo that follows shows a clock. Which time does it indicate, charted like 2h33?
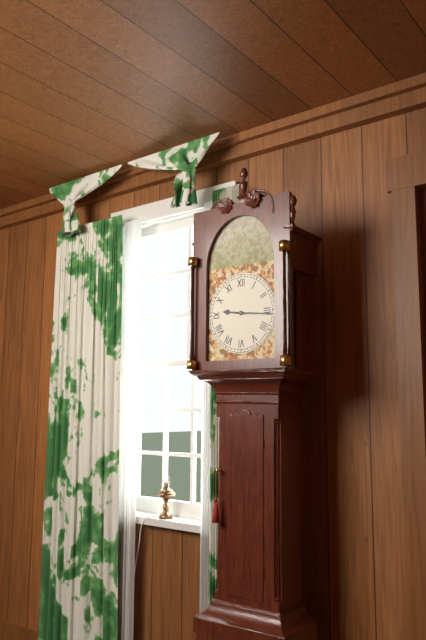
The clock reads 9h16
